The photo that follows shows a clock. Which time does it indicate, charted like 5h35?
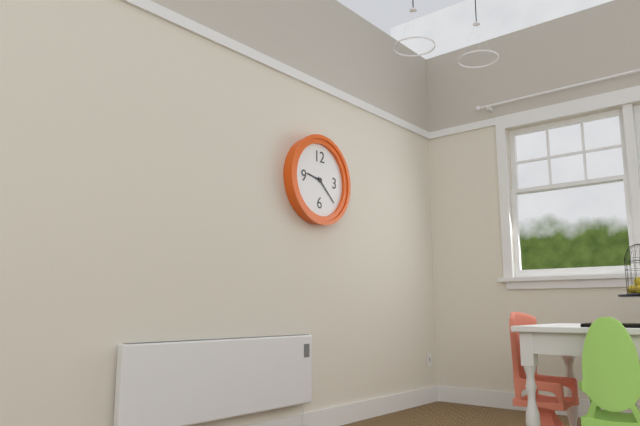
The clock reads 9h22
